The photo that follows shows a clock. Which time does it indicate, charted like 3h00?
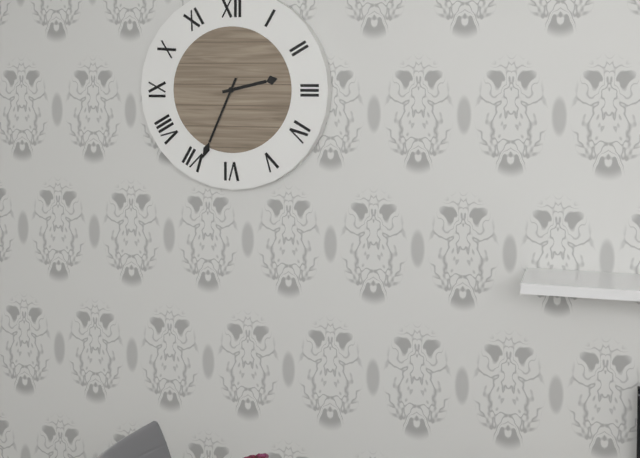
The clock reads 2h34
